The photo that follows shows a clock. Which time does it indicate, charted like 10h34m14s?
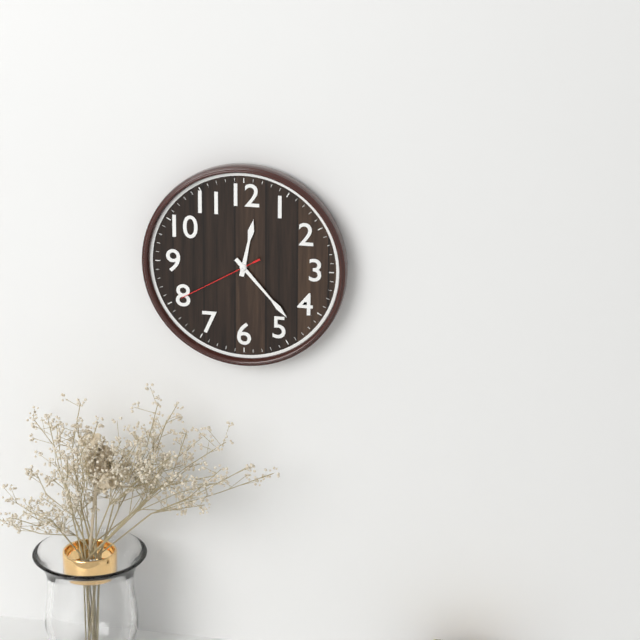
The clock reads 12h23m40s
